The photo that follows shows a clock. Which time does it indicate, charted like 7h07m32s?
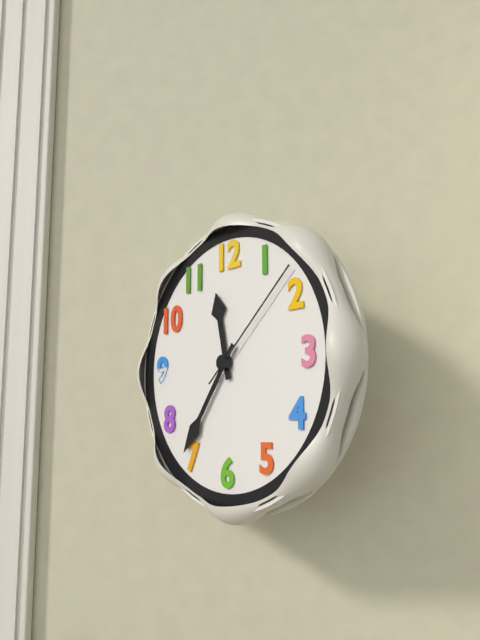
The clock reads 11h36m08s
